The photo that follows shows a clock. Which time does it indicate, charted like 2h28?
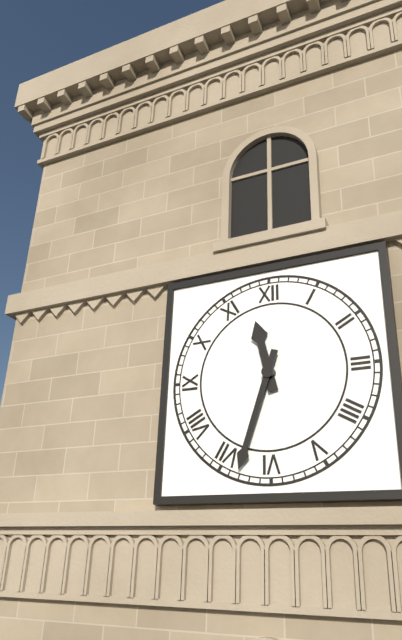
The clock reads 11h33
